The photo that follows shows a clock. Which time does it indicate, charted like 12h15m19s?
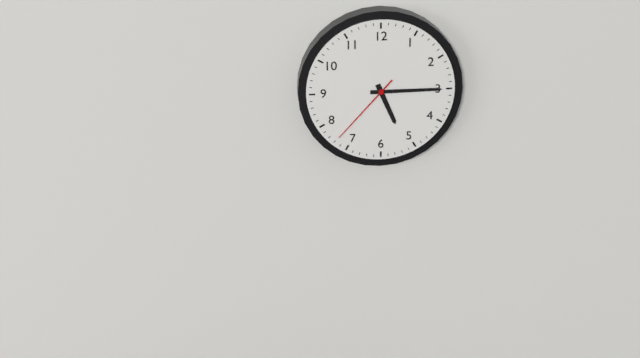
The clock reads 5h15m37s
